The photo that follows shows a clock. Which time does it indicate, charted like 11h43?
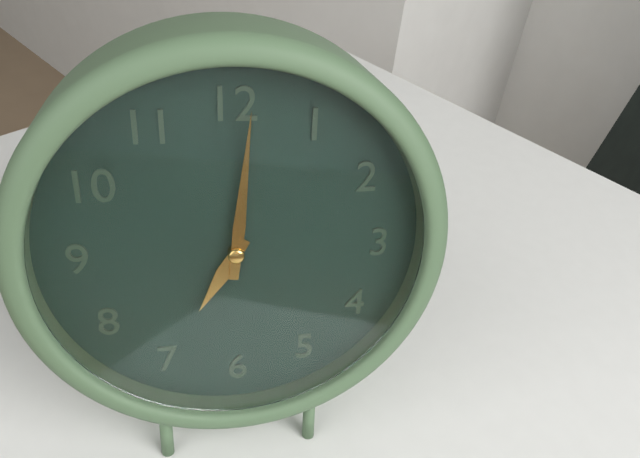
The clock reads 7h01
